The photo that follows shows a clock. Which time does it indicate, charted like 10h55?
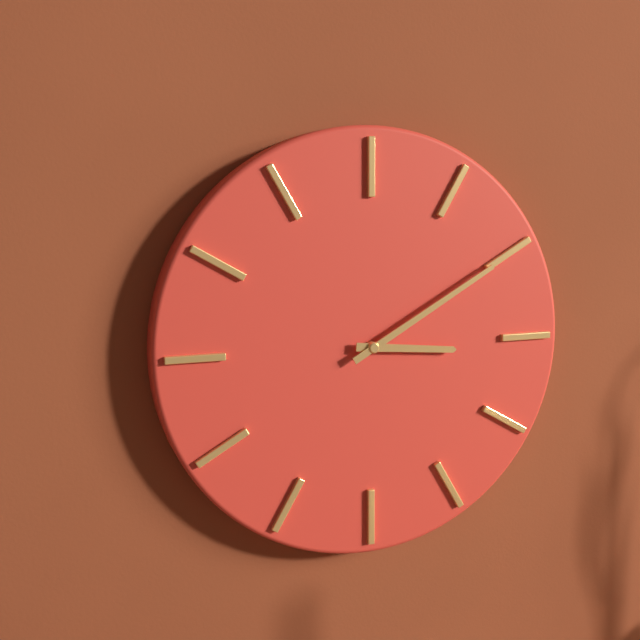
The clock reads 3h10
